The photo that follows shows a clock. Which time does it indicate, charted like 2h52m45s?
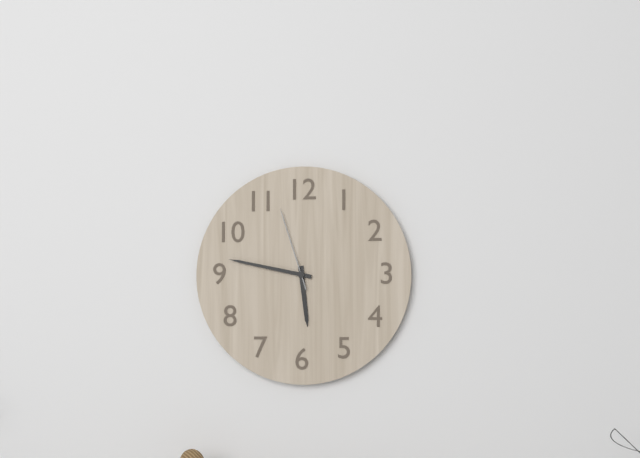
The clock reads 5h47m57s
